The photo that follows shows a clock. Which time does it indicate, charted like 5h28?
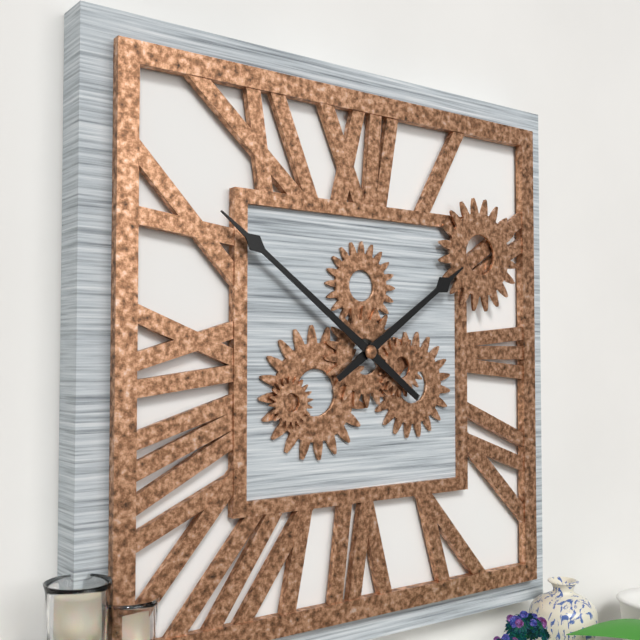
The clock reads 1h51
